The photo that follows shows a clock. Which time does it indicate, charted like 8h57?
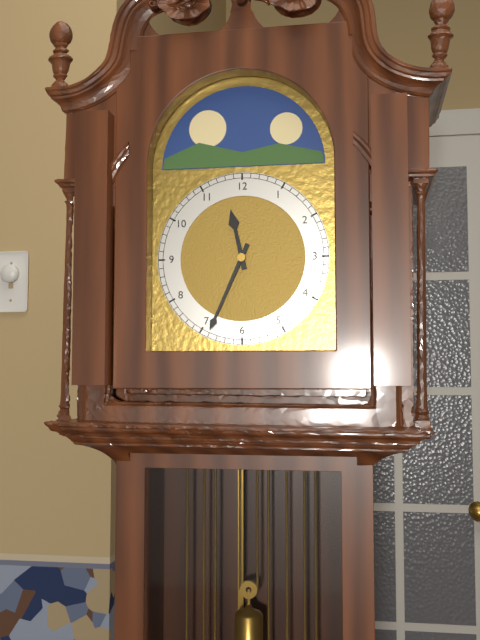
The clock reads 11h34
